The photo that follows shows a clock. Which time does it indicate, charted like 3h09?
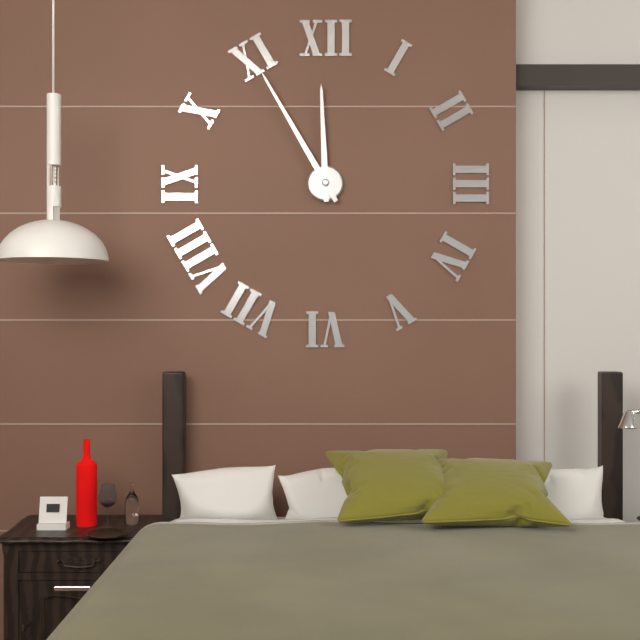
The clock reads 11h55
